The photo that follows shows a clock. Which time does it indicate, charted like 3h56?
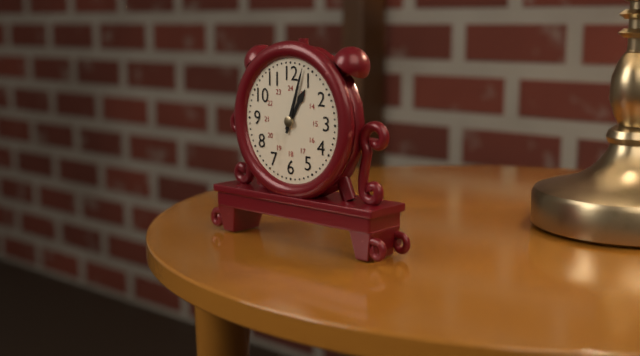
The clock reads 1h03
